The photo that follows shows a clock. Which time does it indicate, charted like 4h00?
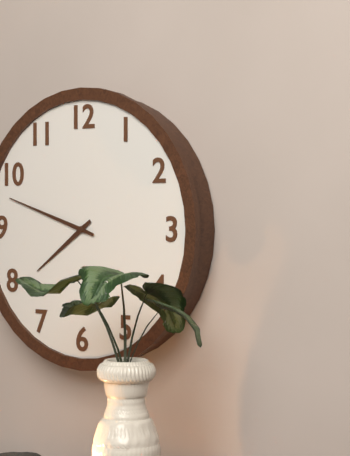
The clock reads 7h48
